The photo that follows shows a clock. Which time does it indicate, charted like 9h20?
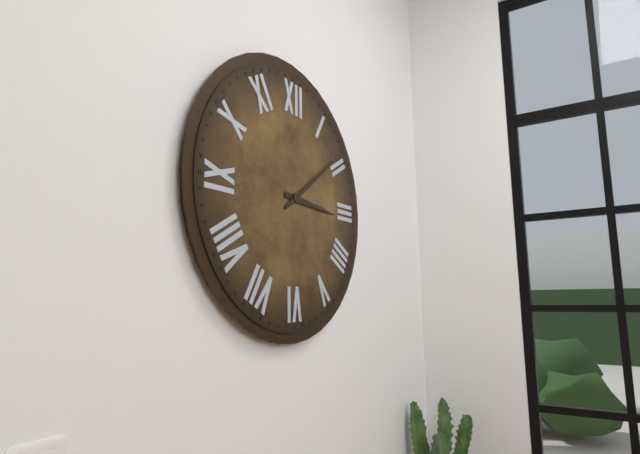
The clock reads 3h09
